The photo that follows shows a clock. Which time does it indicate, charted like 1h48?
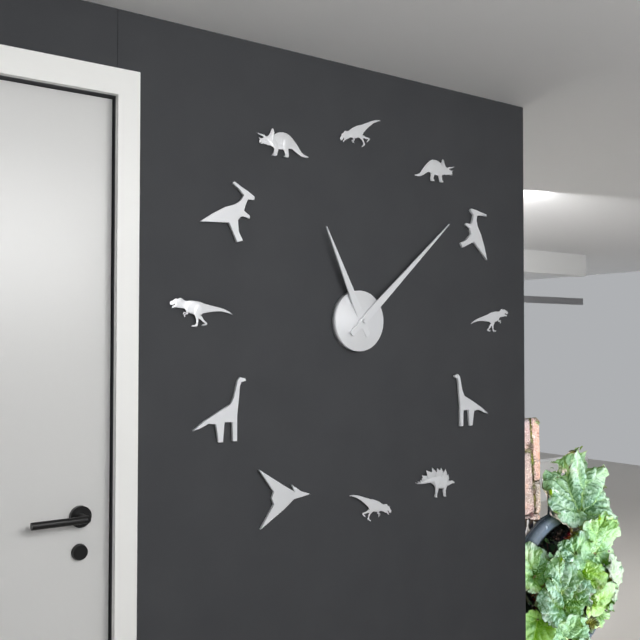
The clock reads 11h08
